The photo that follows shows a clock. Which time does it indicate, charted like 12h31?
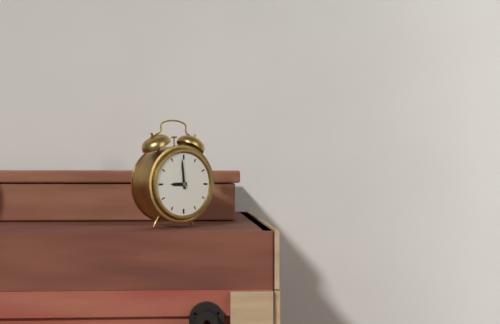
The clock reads 8h59
